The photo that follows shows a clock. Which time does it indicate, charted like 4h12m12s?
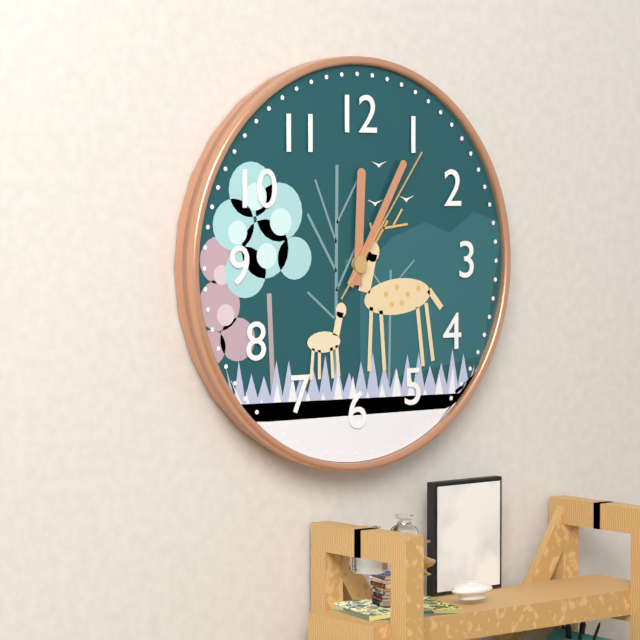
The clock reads 12h05m06s
